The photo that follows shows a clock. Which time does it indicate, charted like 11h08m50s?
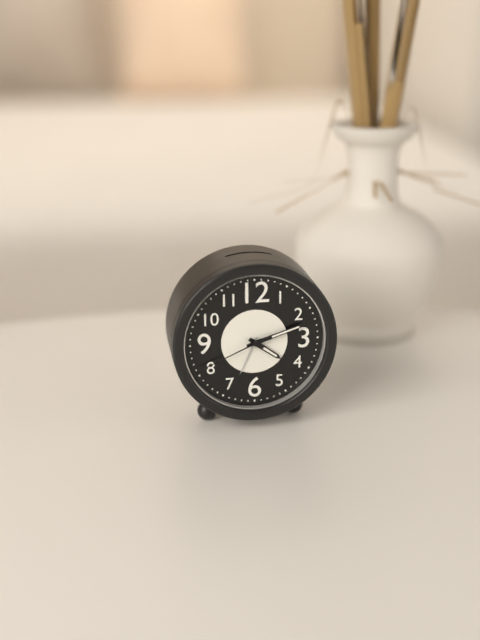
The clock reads 4h12m41s
